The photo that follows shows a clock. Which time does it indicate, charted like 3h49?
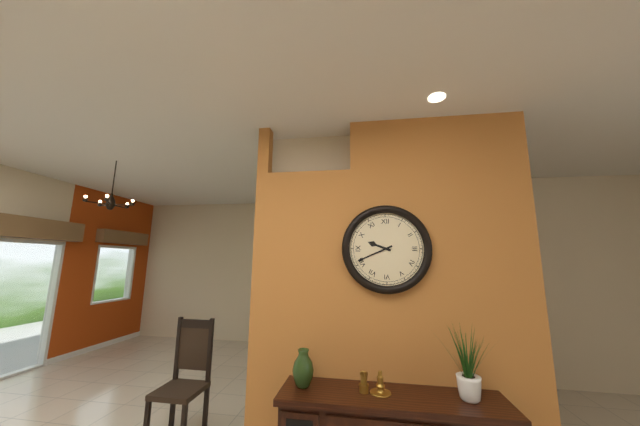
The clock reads 9h41
